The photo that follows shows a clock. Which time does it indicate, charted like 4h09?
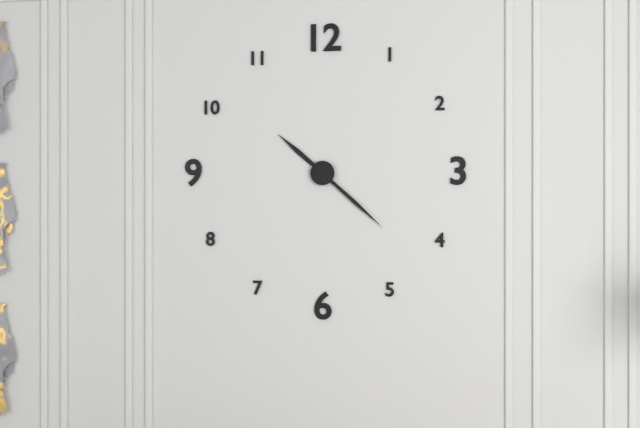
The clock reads 10h22
